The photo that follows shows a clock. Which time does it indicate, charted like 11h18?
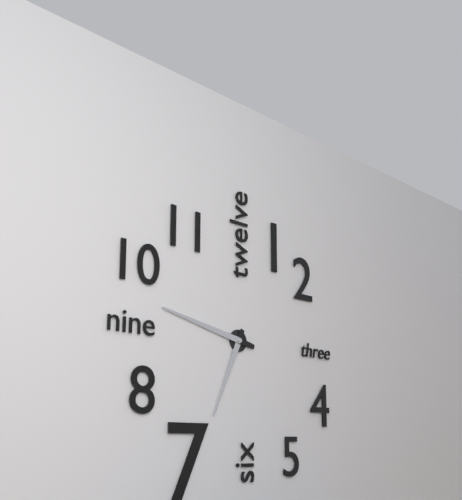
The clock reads 6h47
